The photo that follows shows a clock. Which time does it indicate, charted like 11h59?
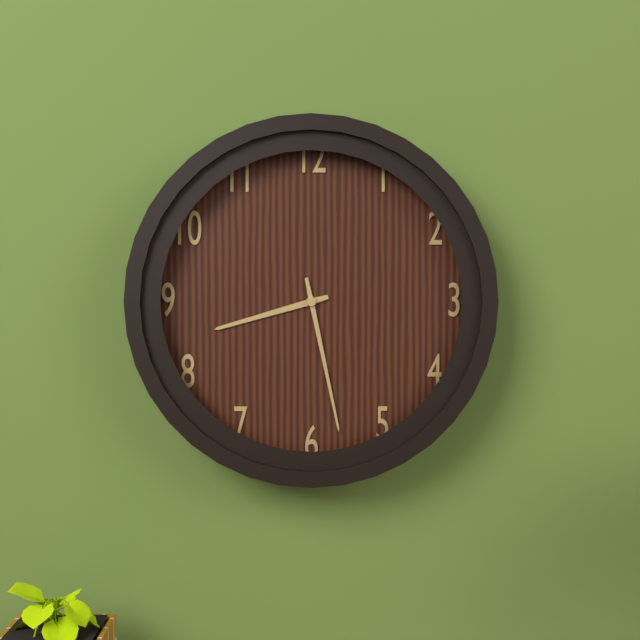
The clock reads 8h28
